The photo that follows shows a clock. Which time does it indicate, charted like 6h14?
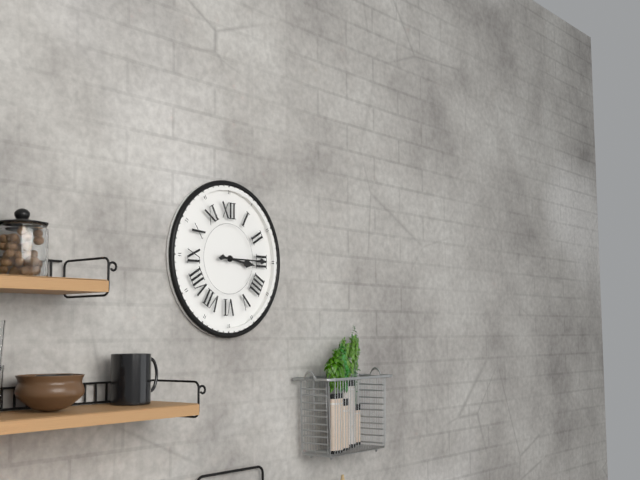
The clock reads 3h15
